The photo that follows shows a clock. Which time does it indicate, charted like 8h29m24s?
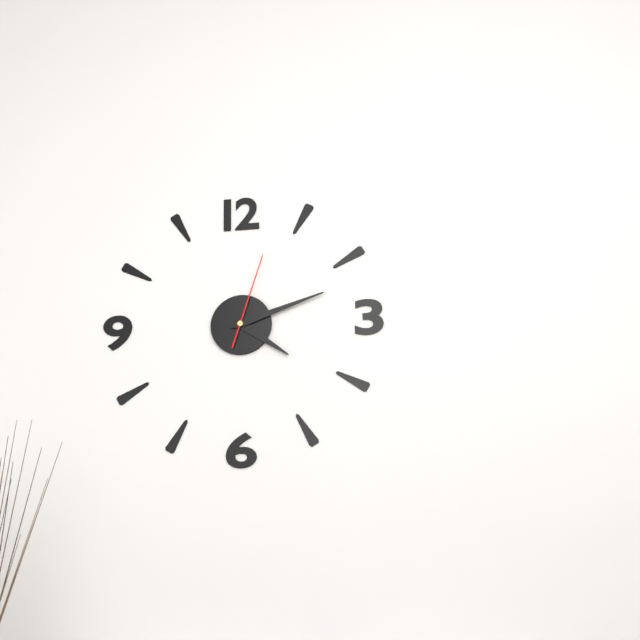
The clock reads 4h12m03s
